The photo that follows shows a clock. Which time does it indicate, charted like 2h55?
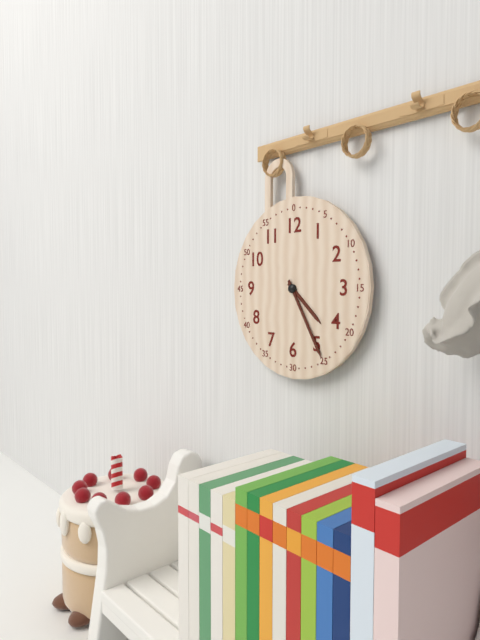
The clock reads 4h25
